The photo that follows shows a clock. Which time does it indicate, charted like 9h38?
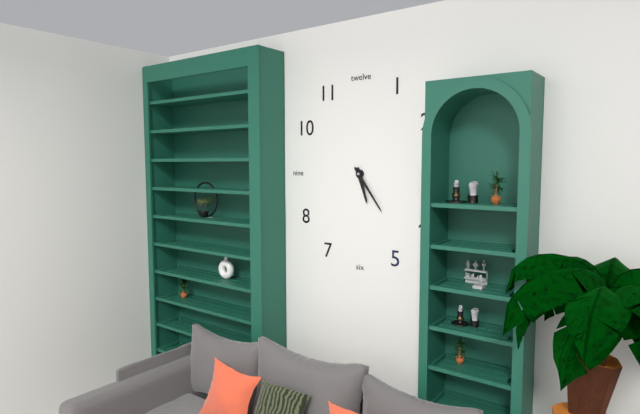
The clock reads 5h24
